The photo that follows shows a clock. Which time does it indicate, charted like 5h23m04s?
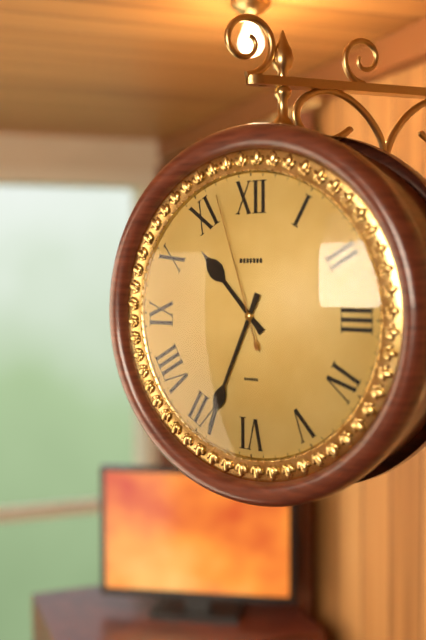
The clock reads 10h34m57s
